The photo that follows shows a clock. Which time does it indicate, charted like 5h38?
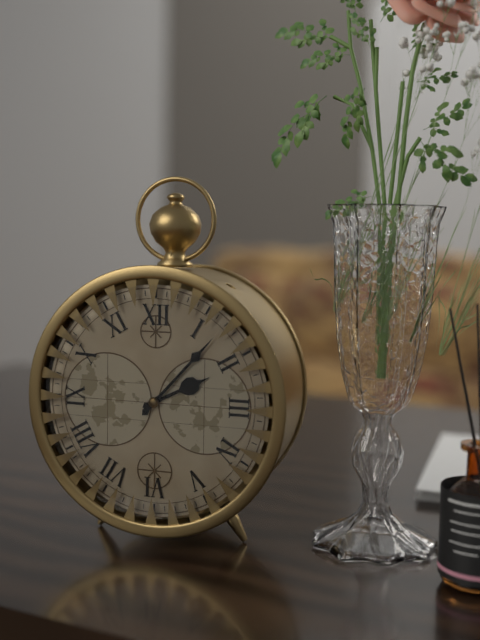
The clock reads 2h07
